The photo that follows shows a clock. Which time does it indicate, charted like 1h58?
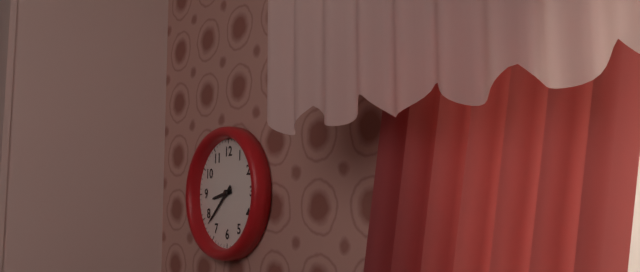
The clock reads 8h38
